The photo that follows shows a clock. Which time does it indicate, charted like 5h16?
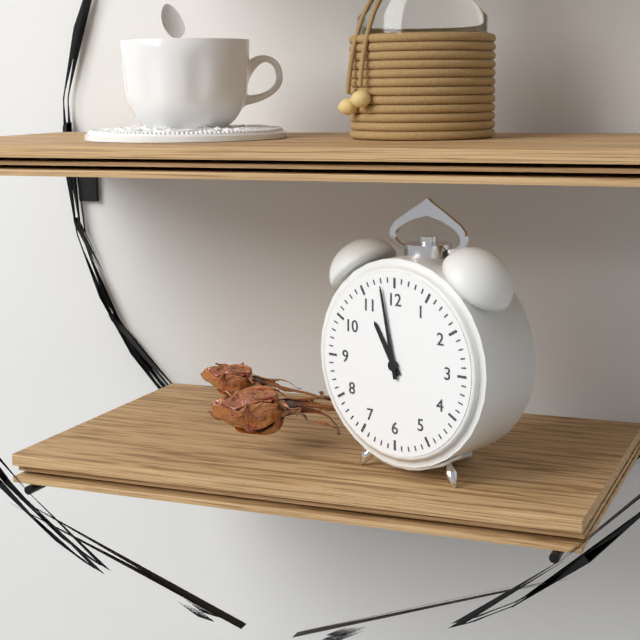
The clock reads 10h58
